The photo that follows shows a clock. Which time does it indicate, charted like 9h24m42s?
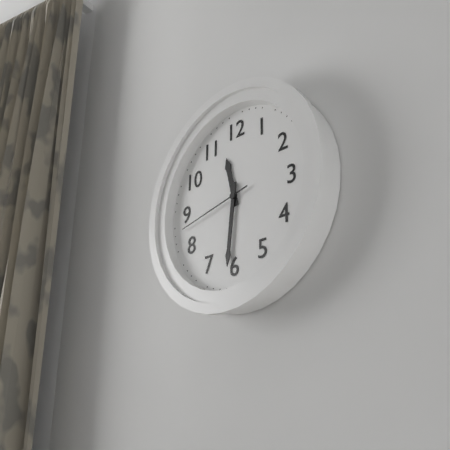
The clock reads 11h31m43s
